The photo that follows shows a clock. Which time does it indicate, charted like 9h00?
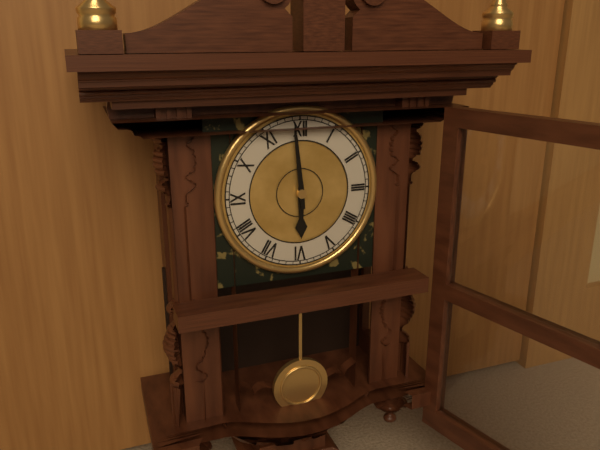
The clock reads 5h59
